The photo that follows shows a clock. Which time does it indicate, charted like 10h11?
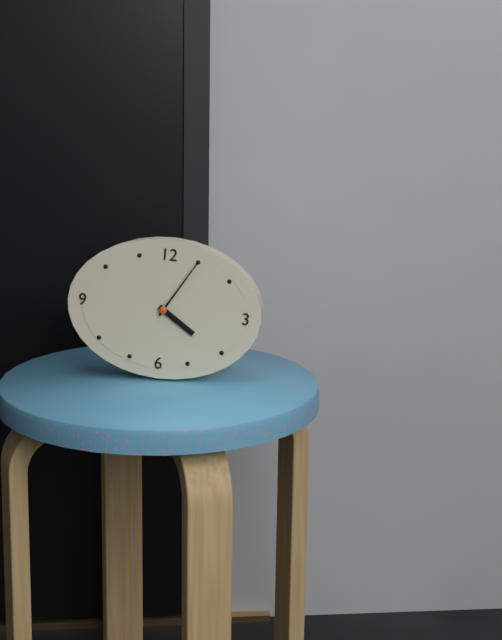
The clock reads 4h05
